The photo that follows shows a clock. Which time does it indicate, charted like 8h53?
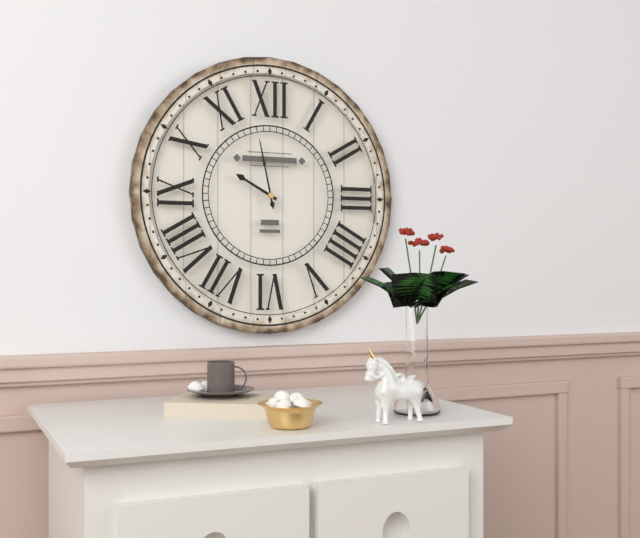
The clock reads 9h58
